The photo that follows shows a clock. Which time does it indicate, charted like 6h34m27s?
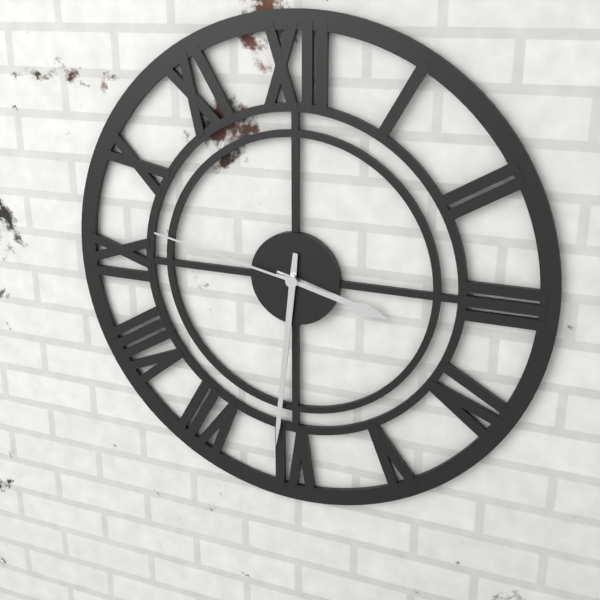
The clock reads 3h31m47s
